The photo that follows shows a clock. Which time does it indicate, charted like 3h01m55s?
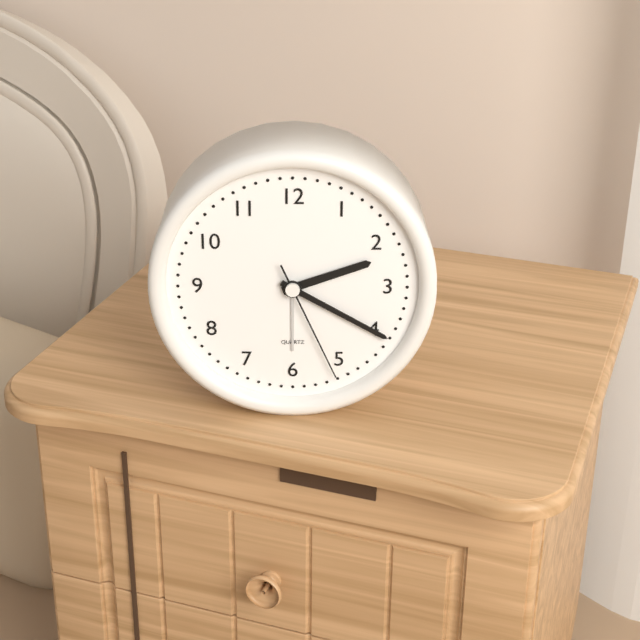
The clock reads 2h20m26s
